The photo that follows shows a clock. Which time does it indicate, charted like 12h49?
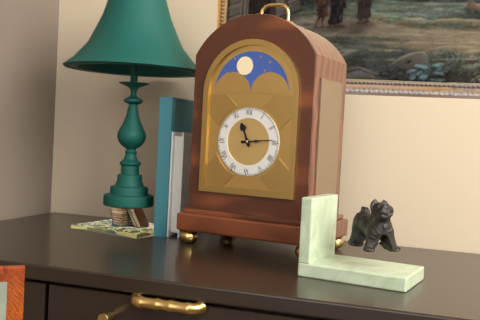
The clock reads 11h14
